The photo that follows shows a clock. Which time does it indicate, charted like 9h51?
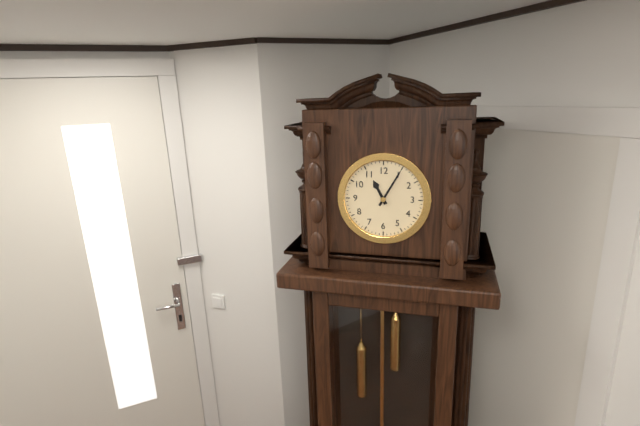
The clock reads 11h05
